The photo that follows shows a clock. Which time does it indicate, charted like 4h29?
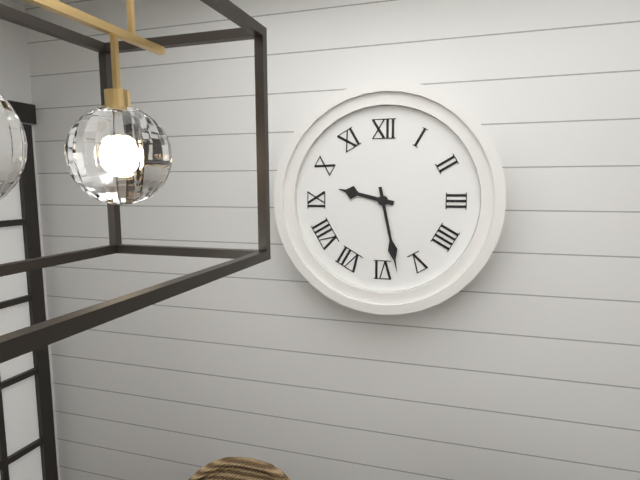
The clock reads 9h28
